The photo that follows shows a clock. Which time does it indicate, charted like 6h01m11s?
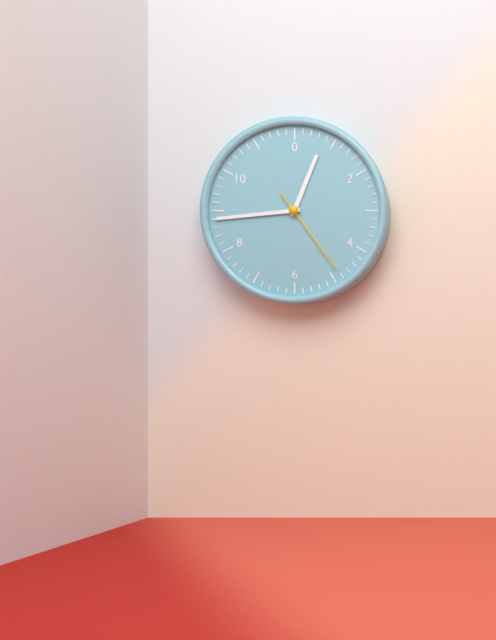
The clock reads 12h44m24s
